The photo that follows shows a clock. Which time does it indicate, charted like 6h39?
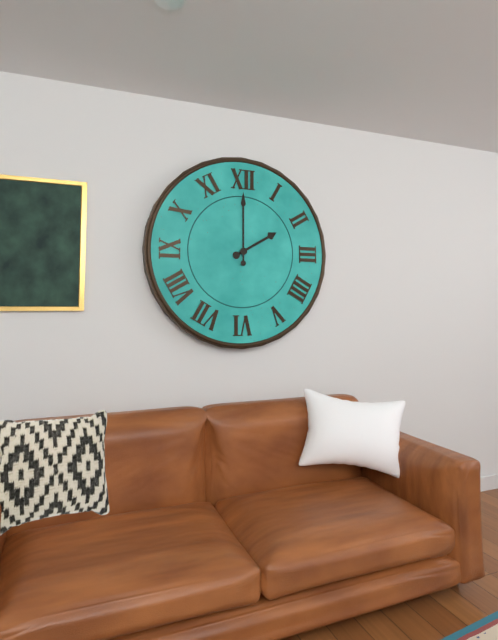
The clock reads 2h00
